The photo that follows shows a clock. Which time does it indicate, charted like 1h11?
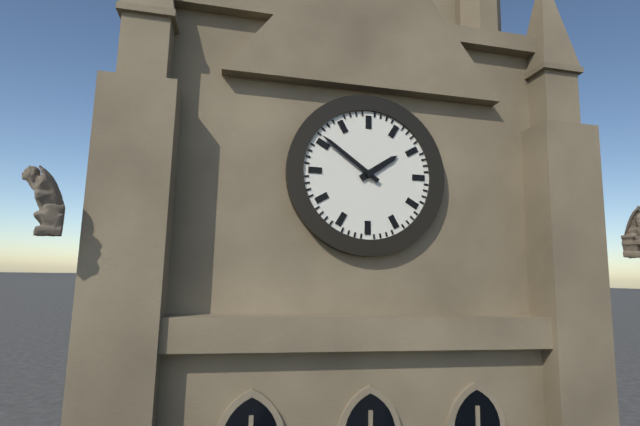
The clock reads 1h51
